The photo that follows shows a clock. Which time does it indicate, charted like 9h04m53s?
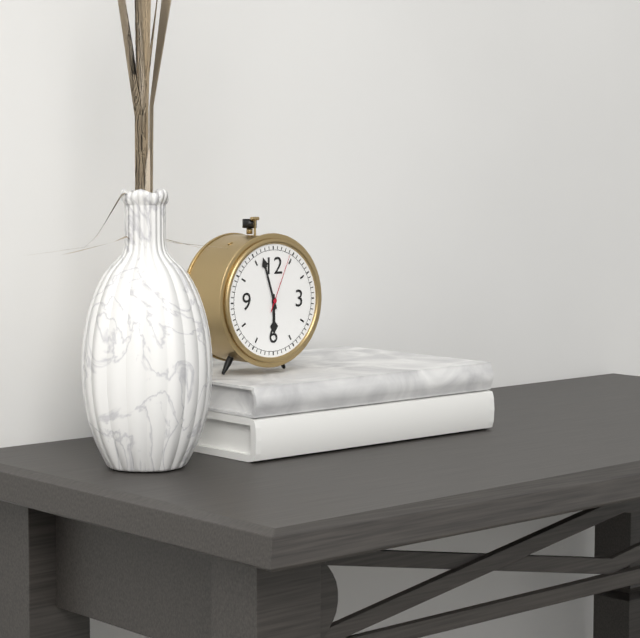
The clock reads 5h57m04s
